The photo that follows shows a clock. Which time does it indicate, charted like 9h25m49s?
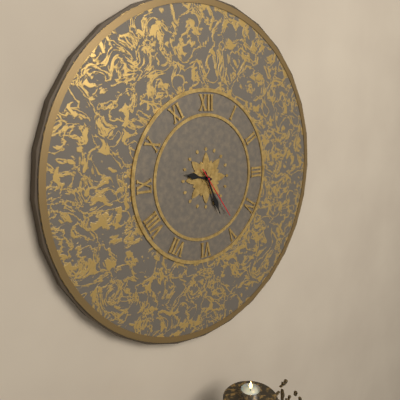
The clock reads 9h26m24s
